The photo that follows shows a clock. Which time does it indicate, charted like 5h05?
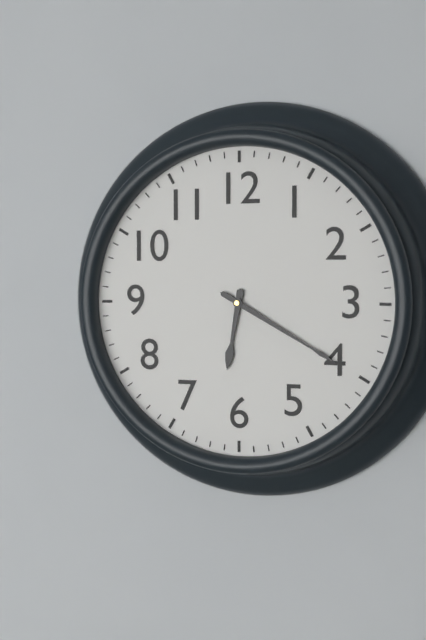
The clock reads 6h20
